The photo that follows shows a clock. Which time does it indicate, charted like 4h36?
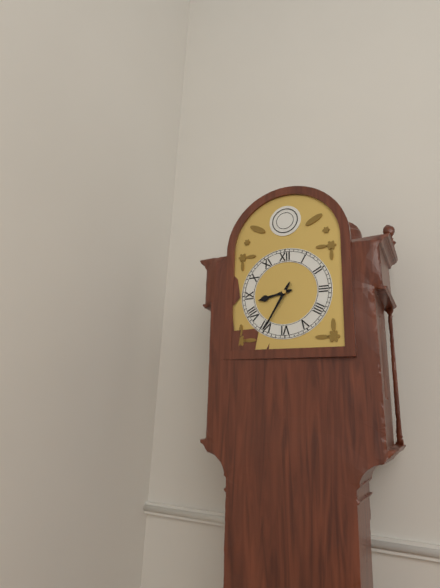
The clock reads 8h35
